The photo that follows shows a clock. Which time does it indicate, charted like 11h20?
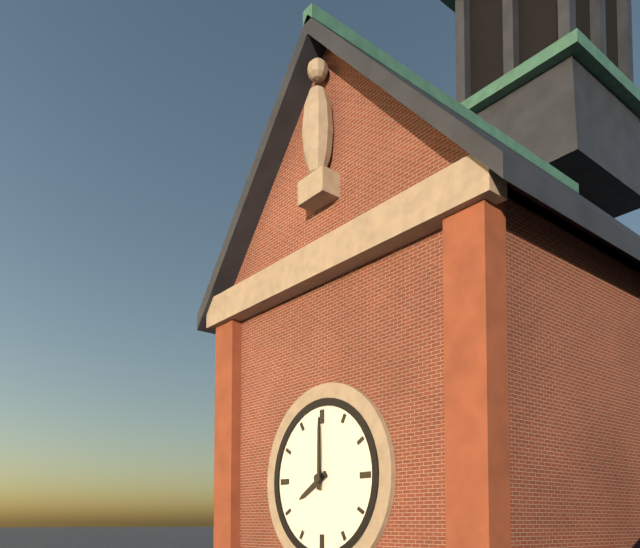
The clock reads 8h00
